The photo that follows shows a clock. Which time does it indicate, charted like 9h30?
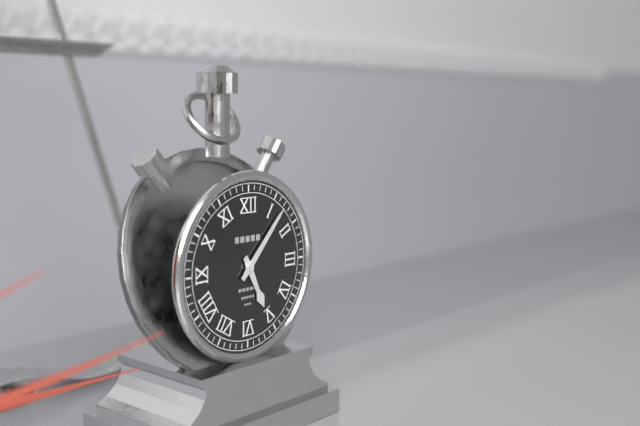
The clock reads 5h07
